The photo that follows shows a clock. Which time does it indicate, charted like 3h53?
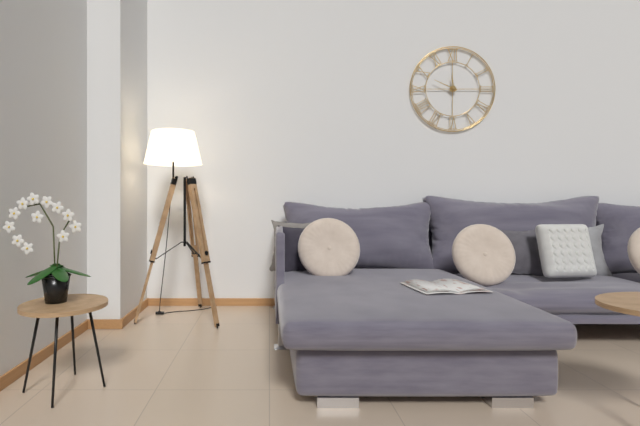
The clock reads 11h49
